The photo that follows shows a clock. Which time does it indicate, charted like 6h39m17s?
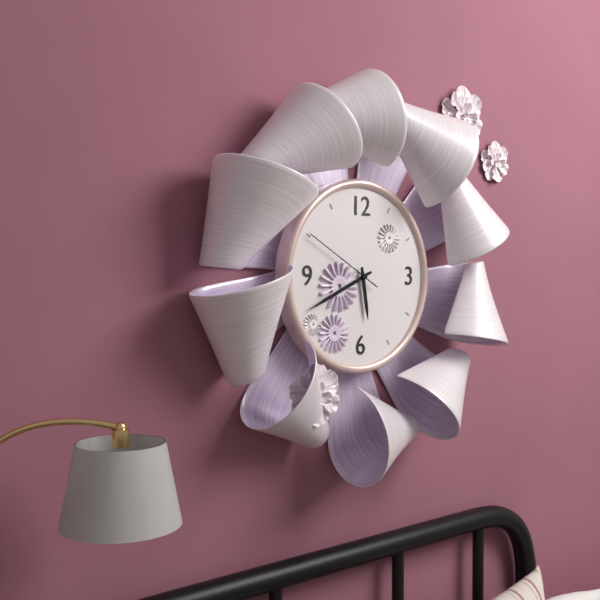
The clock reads 5h41m50s
